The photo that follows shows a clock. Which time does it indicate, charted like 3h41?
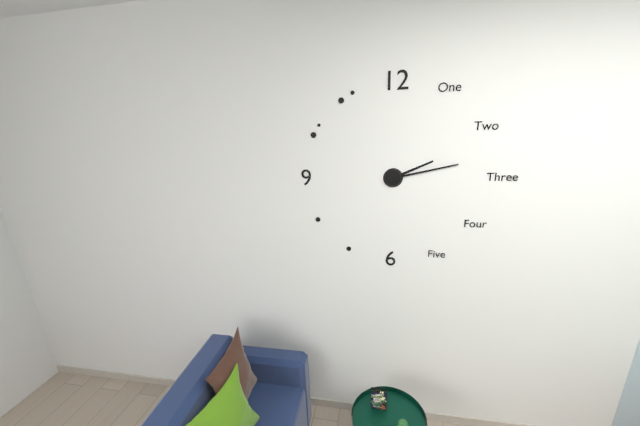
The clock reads 2h13
